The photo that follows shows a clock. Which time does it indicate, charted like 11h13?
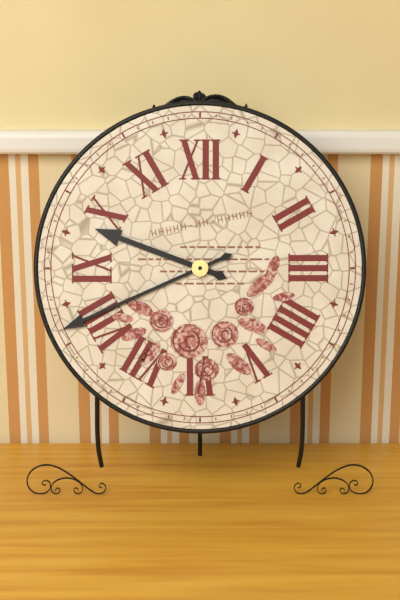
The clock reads 9h41
